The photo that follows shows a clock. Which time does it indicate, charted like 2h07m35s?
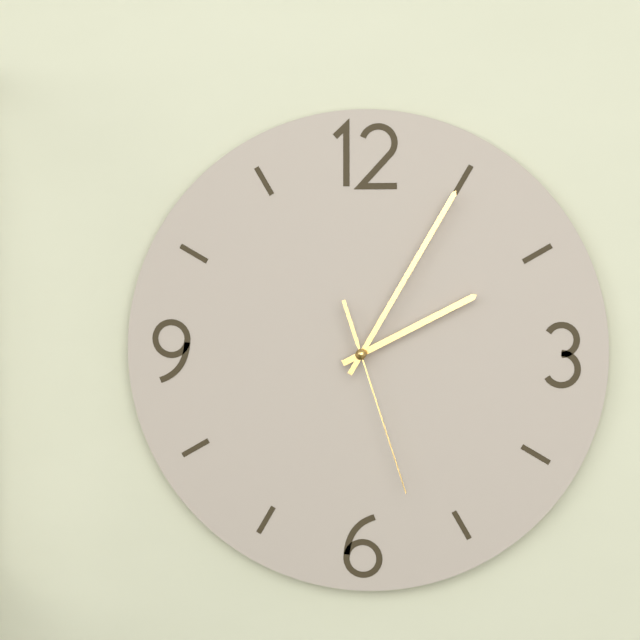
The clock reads 2h05m27s
